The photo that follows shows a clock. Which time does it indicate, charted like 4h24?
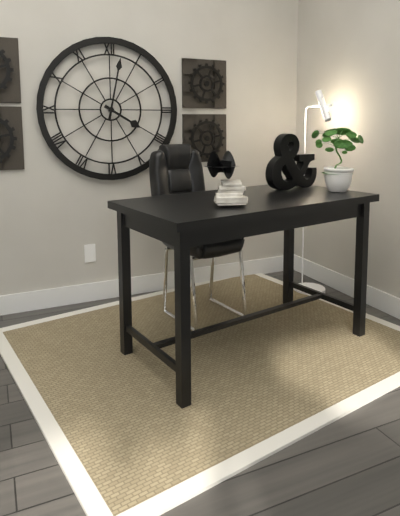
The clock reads 4h02
